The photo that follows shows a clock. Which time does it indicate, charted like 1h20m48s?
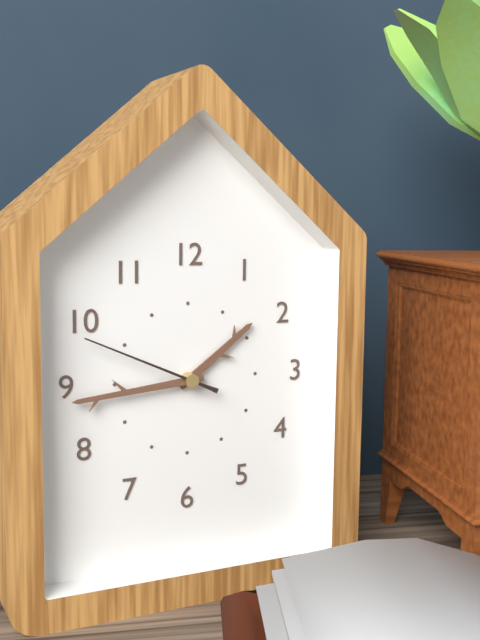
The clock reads 1h44m49s
